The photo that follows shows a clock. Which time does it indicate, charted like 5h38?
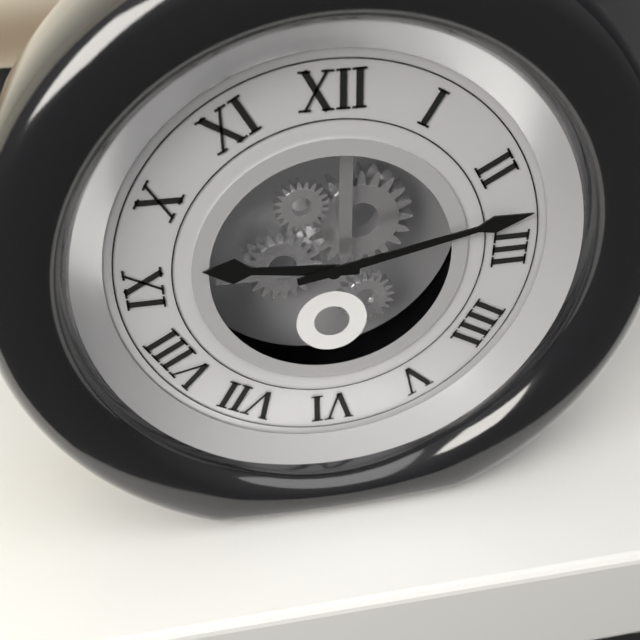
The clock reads 9h13
